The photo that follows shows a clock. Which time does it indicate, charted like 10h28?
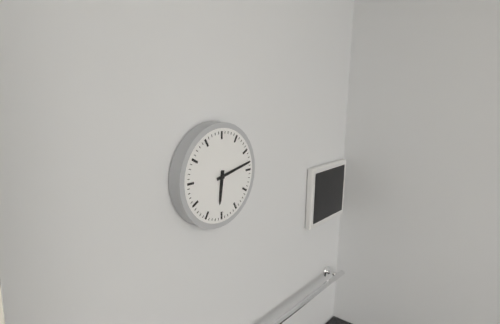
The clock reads 6h13
